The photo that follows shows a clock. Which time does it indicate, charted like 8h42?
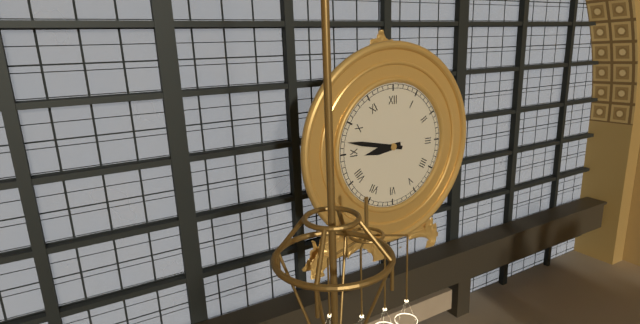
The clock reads 8h47
